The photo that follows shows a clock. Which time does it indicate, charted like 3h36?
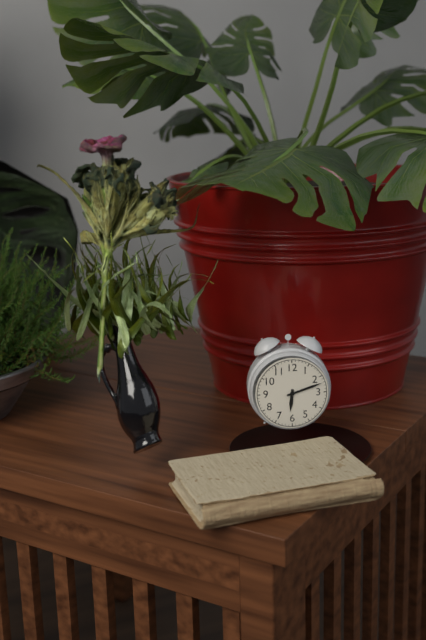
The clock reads 6h12
